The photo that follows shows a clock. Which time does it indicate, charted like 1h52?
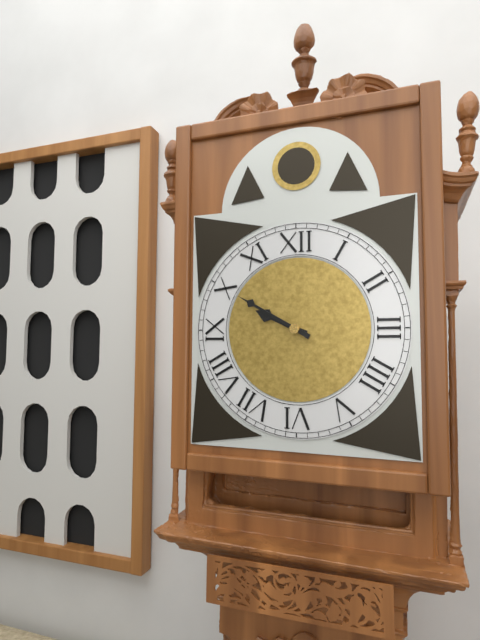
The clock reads 9h50
